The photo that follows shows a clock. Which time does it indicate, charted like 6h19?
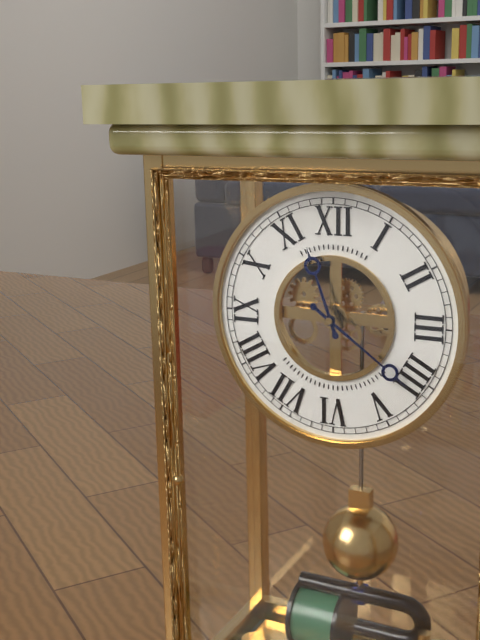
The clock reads 11h21
